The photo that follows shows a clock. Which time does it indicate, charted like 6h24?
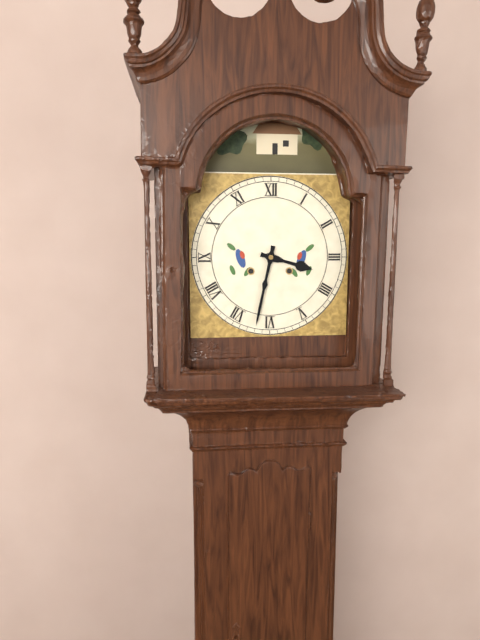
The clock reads 3h32
